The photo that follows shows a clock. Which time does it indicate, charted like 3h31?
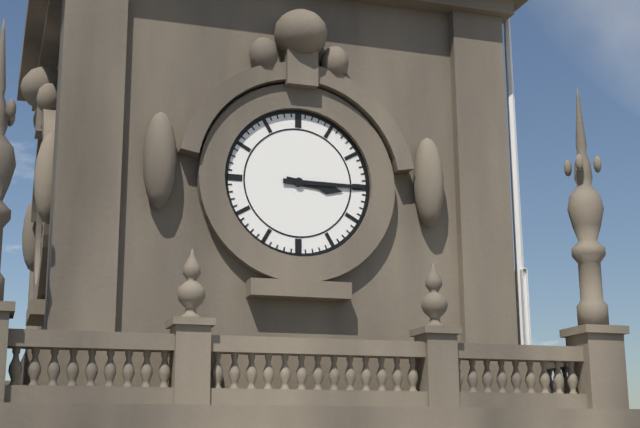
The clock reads 3h15
